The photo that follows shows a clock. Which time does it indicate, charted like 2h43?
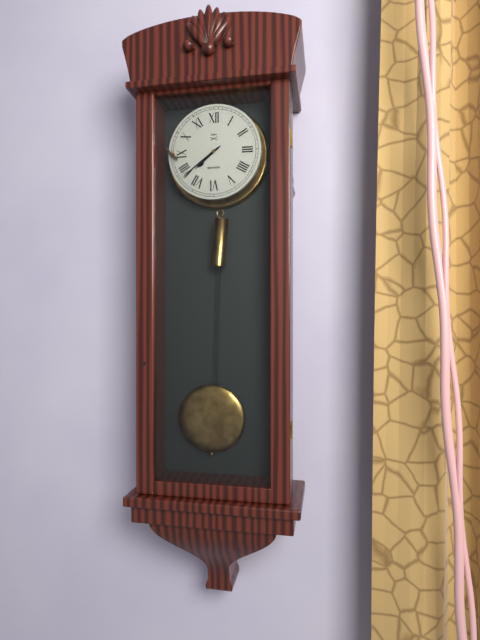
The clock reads 7h39
